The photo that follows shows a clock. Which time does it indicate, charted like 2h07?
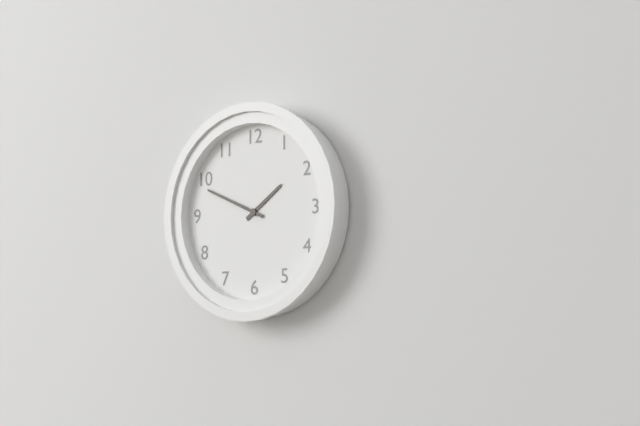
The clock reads 1h49
